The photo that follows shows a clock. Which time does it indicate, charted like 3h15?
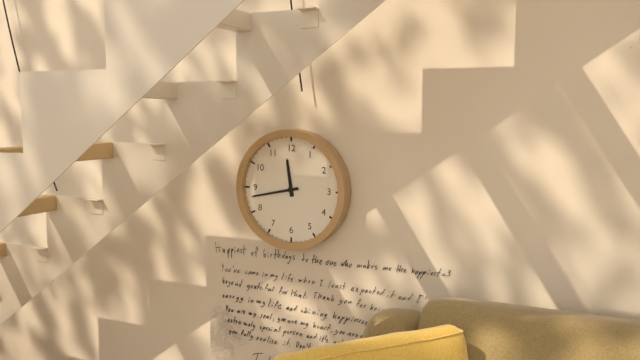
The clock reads 11h43
